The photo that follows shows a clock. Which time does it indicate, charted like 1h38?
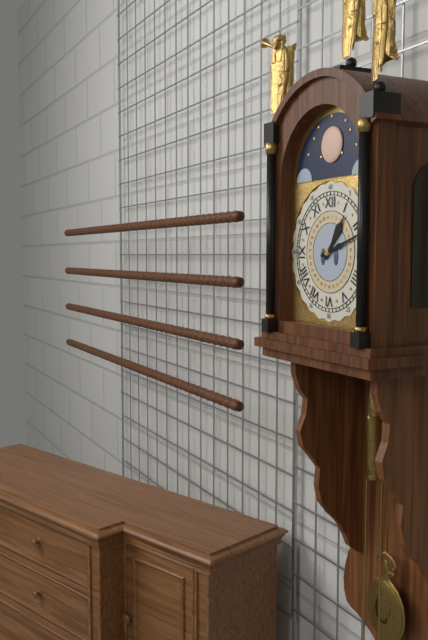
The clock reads 1h12
